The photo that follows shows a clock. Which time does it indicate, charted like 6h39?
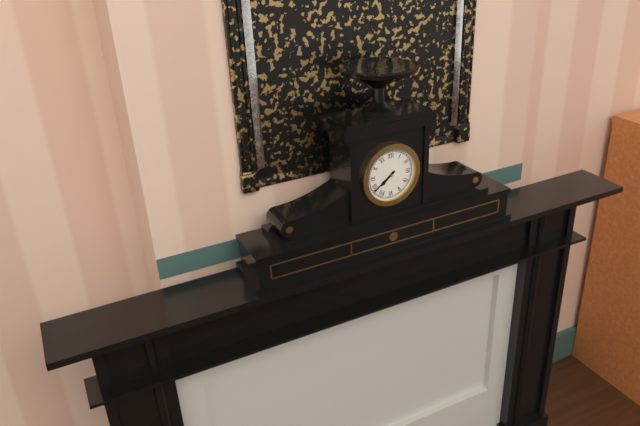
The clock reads 7h39
